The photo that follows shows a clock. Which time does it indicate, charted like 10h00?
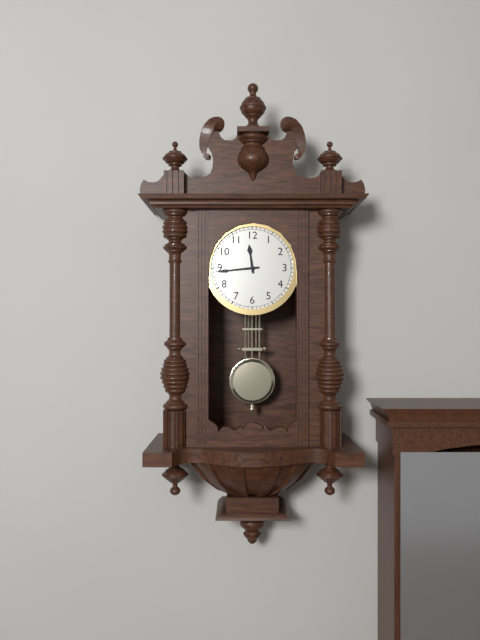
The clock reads 11h44
